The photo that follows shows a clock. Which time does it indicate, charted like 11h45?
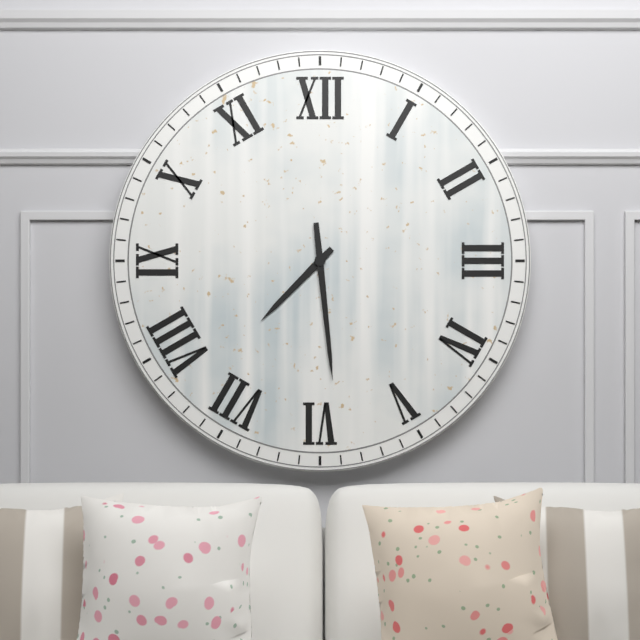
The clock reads 7h29
